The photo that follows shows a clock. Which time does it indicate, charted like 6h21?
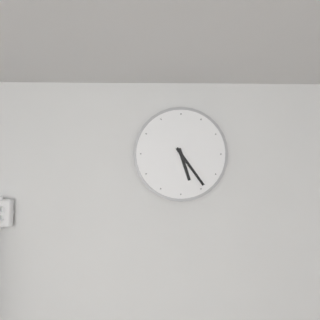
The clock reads 5h24
